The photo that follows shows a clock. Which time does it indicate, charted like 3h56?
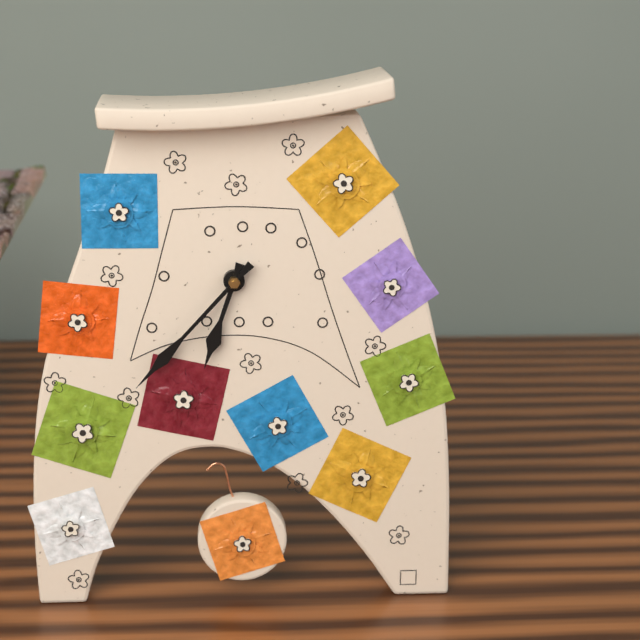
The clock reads 6h37
